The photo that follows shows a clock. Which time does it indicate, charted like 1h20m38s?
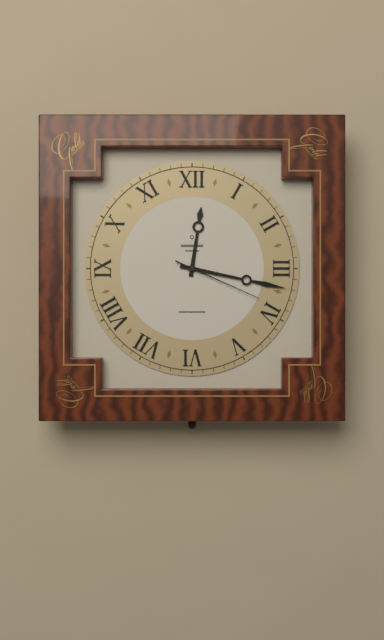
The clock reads 12h17m19s
